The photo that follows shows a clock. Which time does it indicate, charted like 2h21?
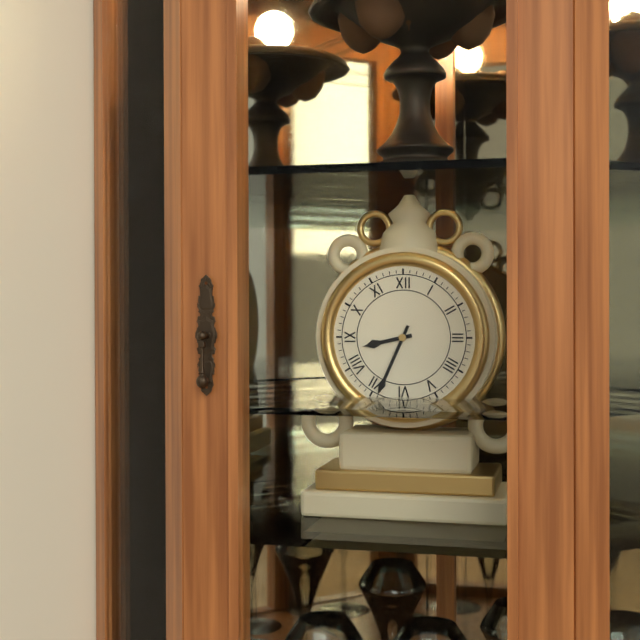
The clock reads 8h34
